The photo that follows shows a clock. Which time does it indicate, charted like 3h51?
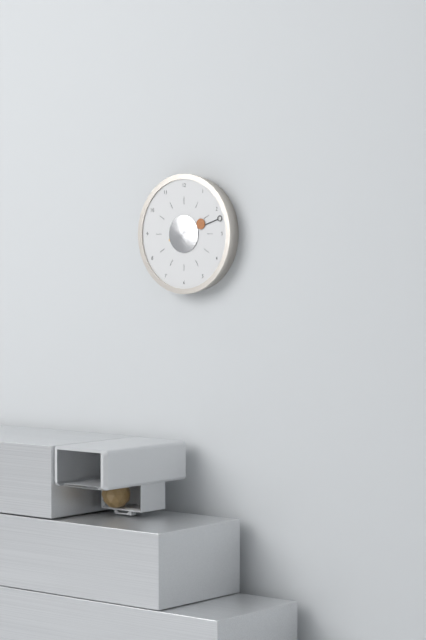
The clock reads 2h12
